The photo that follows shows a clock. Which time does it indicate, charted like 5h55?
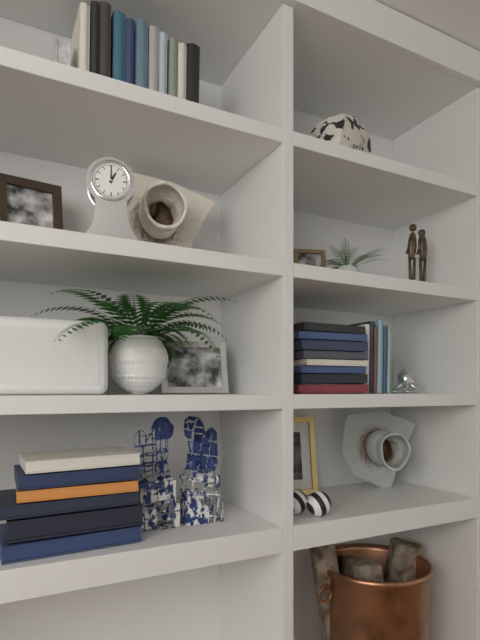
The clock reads 1h00
